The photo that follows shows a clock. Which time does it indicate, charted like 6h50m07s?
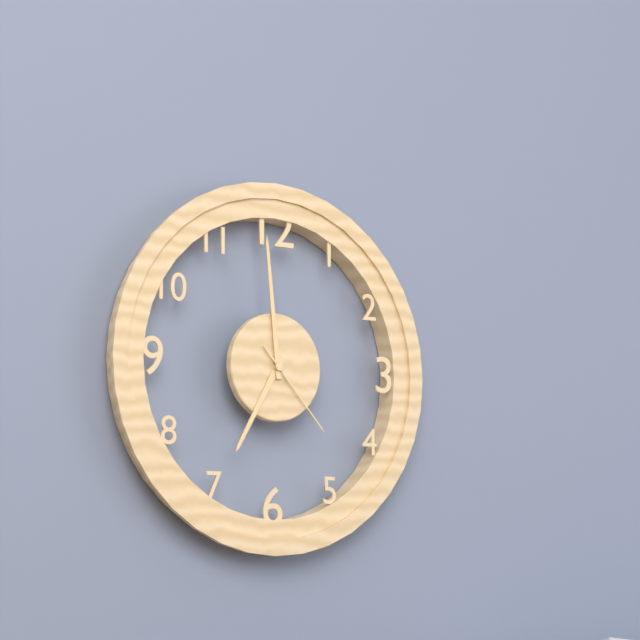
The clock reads 6h59m23s
